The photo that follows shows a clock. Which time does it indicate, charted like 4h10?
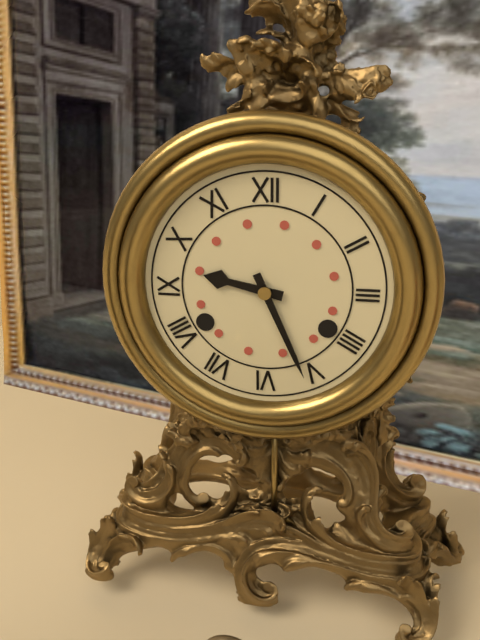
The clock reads 9h26
